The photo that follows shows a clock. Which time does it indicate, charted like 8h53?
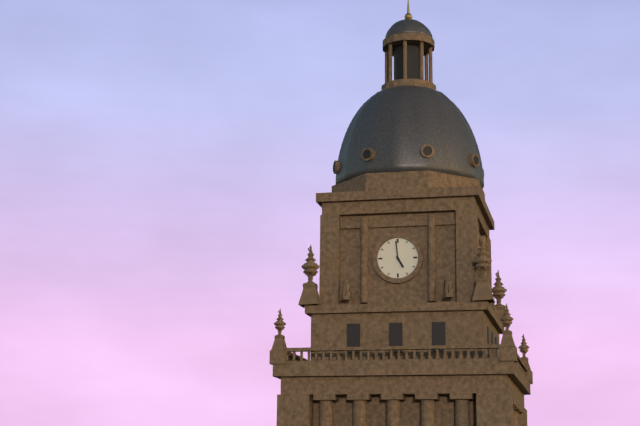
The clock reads 4h59
